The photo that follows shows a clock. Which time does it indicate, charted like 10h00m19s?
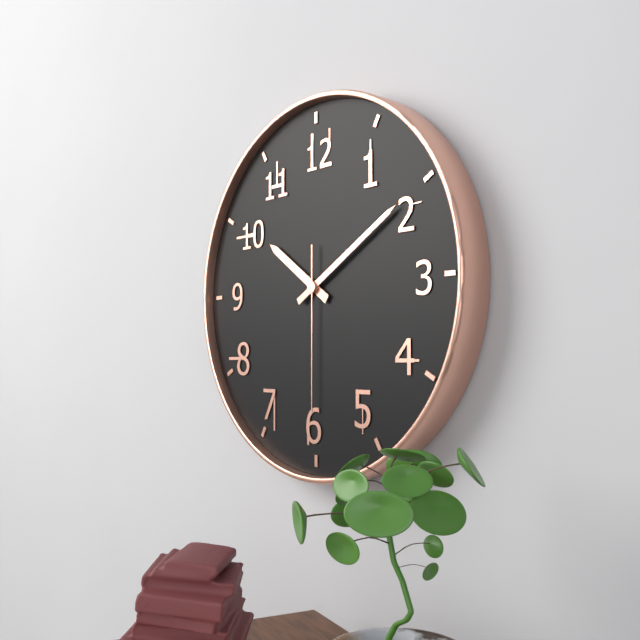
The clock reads 10h10m30s
